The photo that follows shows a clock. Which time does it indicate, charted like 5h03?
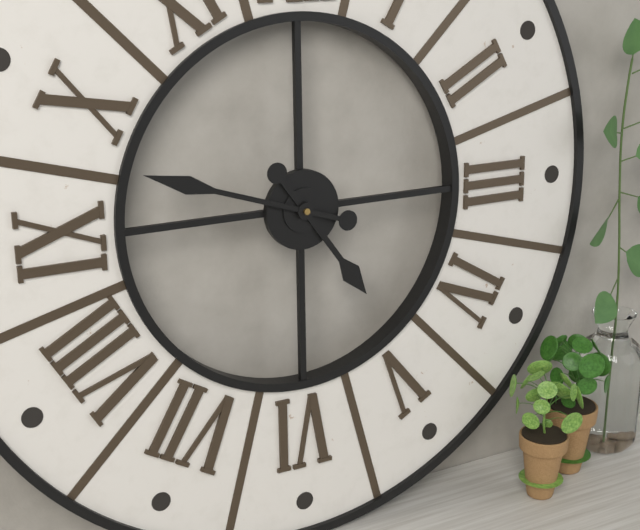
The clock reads 4h48
